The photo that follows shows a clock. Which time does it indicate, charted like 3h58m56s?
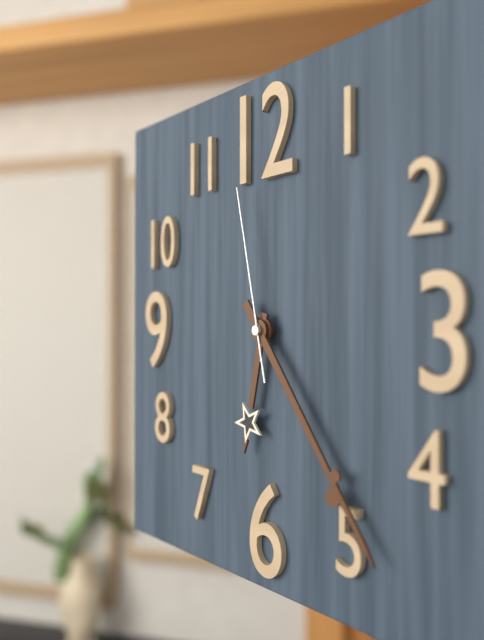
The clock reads 6h24m58s
